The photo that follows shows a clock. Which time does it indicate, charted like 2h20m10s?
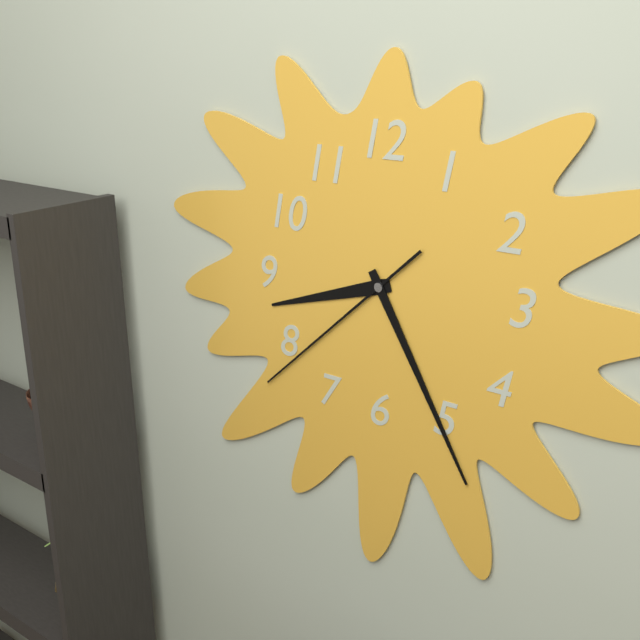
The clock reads 8h25m38s
